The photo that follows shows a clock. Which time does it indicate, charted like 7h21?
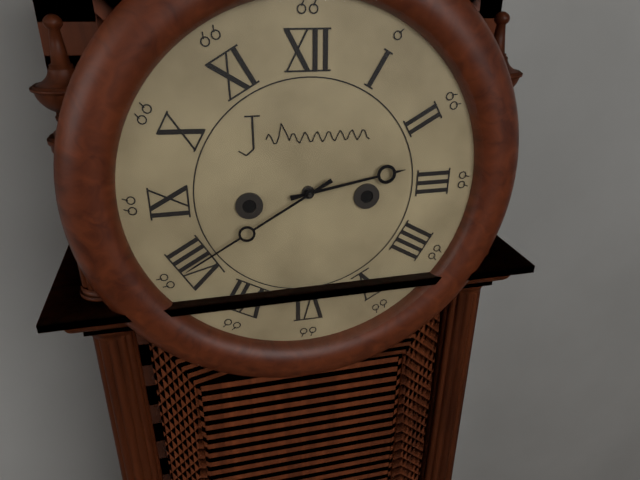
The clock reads 2h40
